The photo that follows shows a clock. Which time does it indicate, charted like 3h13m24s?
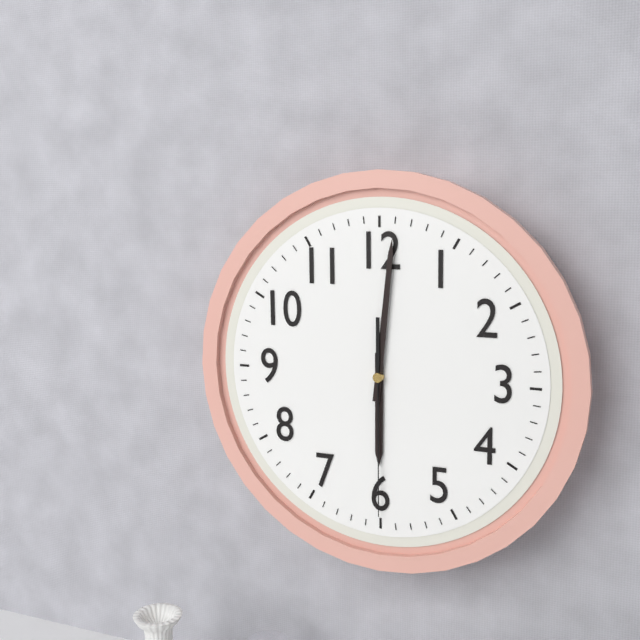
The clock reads 6h01m30s
